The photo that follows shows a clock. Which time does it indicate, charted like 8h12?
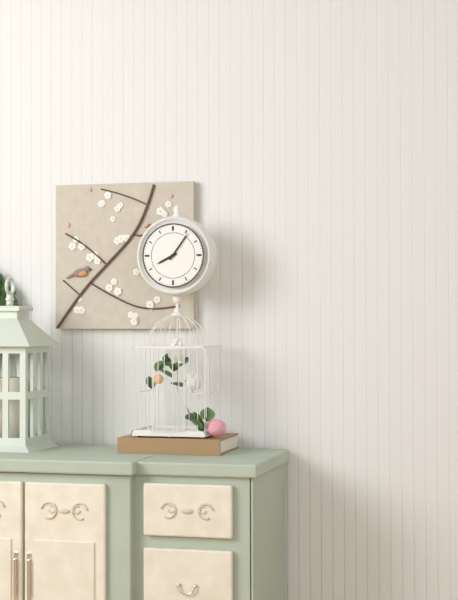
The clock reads 8h06
